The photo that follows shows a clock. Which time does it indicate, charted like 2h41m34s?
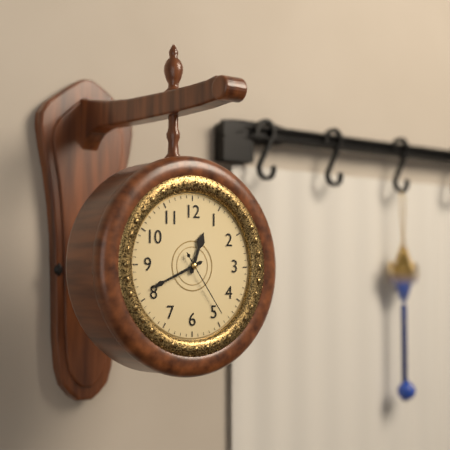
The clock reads 12h41m24s
